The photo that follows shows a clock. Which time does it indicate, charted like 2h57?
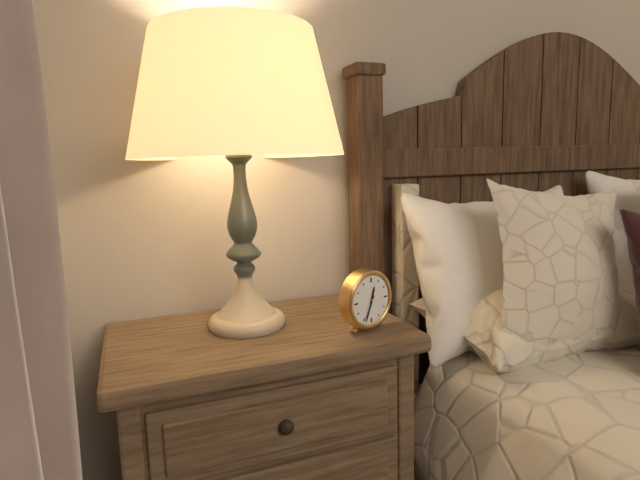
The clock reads 12h34
